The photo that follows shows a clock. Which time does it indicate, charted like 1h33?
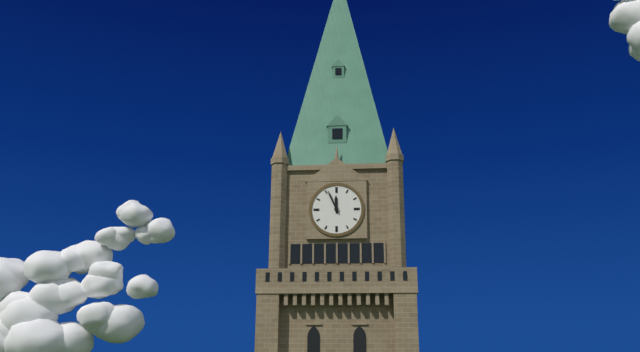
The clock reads 11h56
